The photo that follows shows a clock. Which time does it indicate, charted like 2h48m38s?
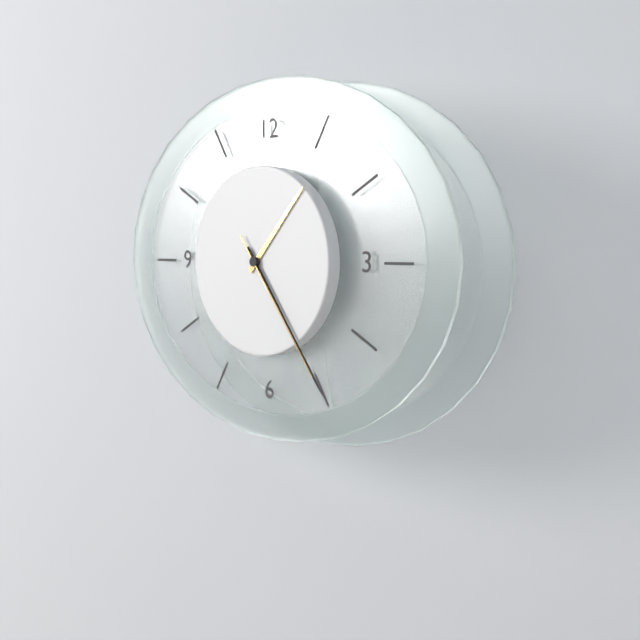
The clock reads 1h24m24s
